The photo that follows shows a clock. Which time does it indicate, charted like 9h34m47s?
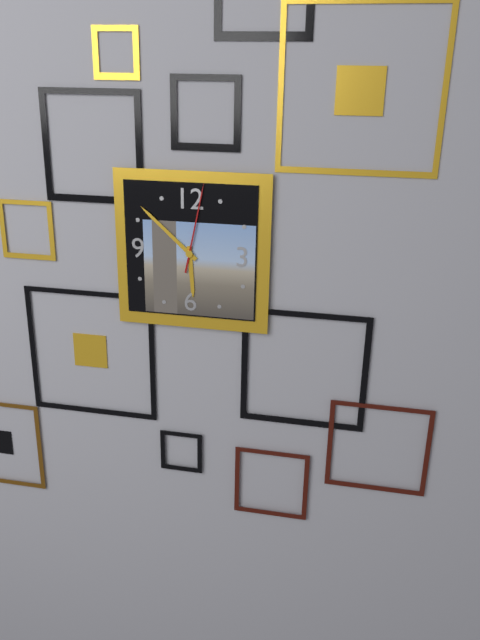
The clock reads 5h52m02s
